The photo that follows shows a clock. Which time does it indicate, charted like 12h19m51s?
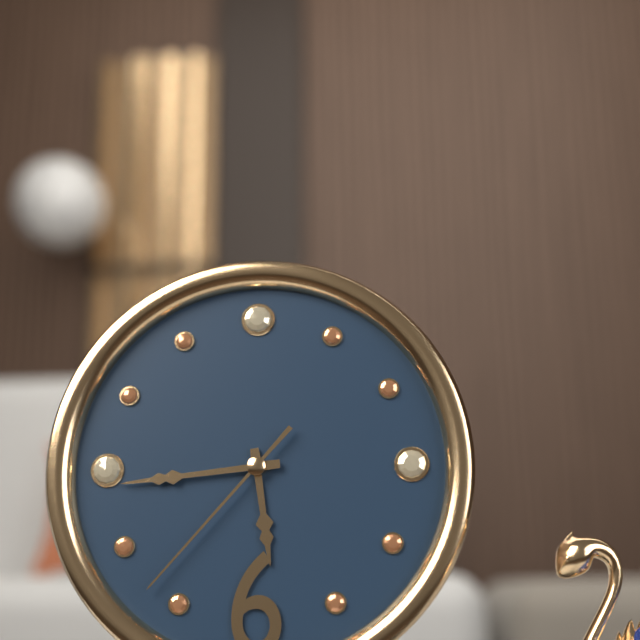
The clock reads 5h44m37s
